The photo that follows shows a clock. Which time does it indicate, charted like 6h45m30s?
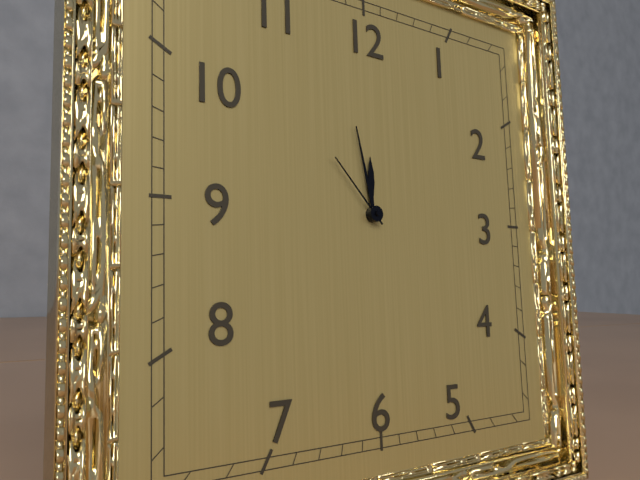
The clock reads 11h58m53s
